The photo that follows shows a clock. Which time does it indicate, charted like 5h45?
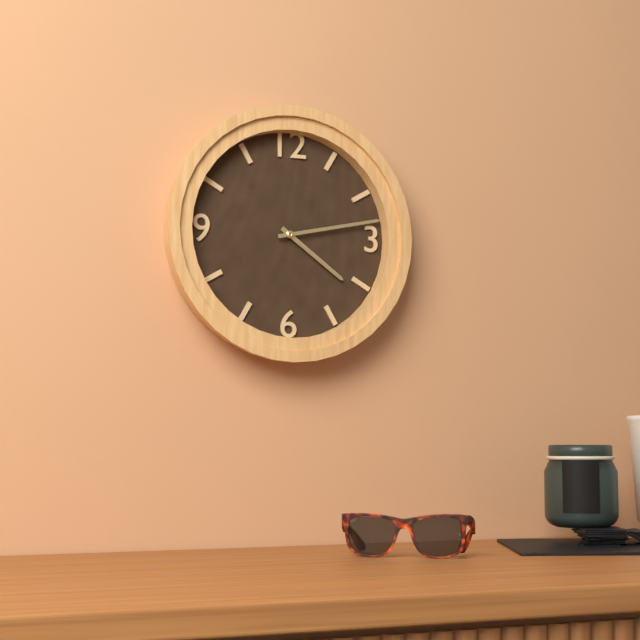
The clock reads 4h13
